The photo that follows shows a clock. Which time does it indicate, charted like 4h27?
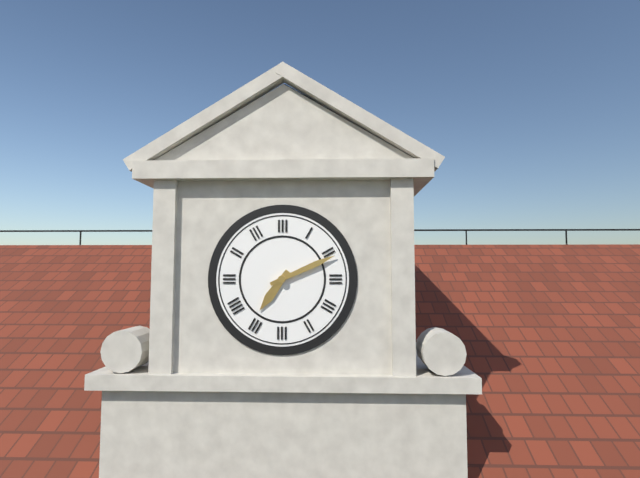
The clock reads 7h11
